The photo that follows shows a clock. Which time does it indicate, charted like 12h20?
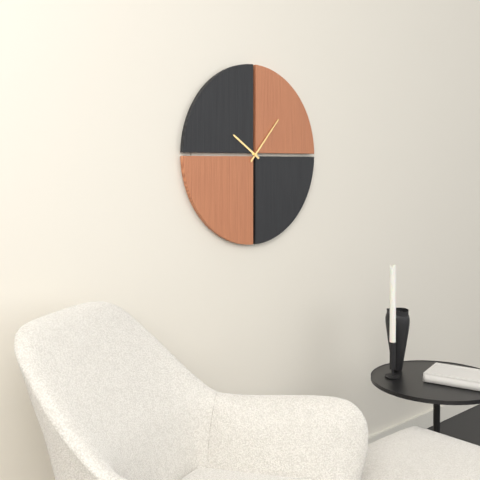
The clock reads 10h07
